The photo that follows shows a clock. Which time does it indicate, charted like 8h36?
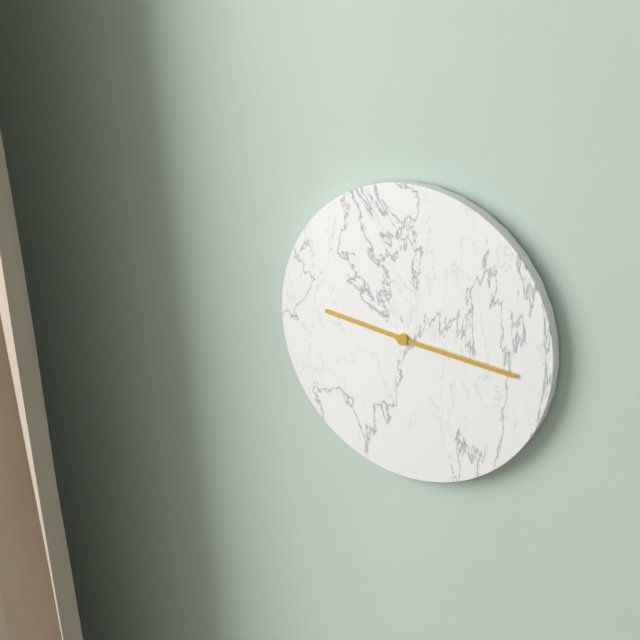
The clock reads 9h16
